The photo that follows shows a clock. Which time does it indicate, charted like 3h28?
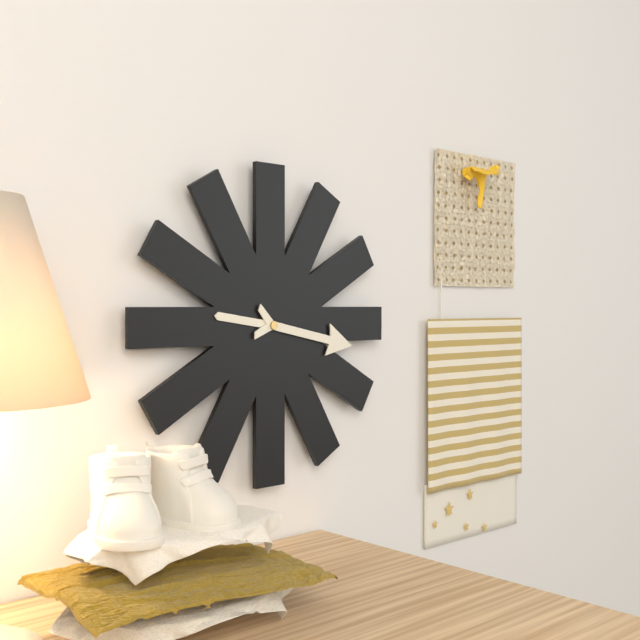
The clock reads 9h17
